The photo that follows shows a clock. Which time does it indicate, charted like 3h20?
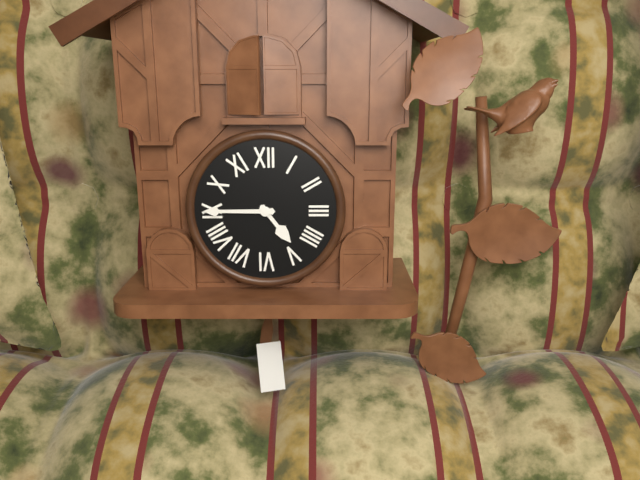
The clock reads 4h45
